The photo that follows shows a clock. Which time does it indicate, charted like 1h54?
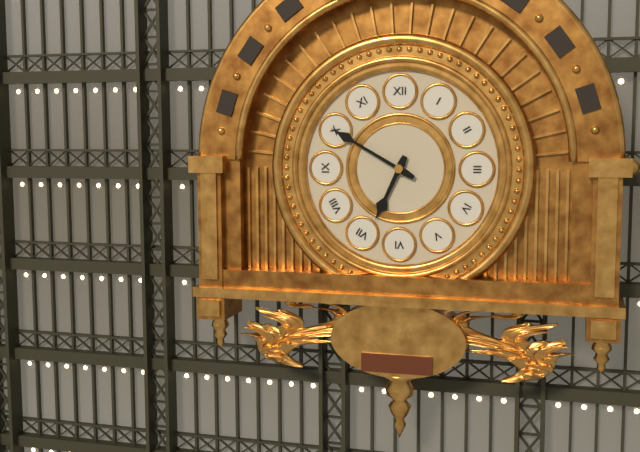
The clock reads 6h50
